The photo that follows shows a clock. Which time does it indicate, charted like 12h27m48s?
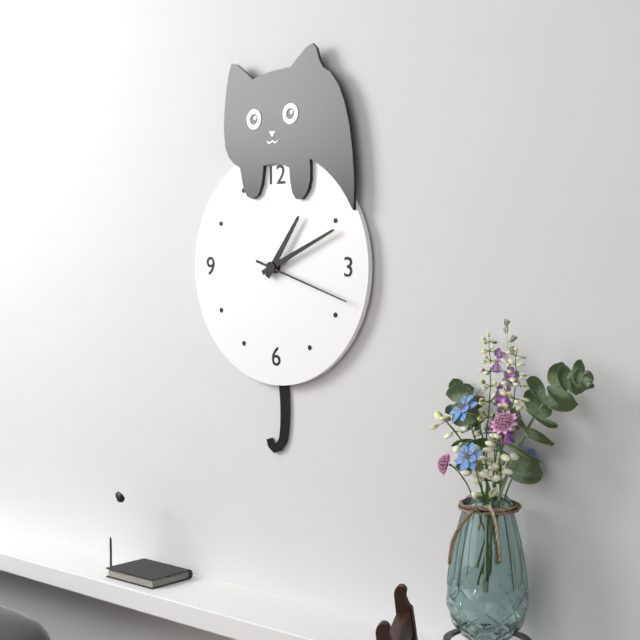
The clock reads 1h11m18s
